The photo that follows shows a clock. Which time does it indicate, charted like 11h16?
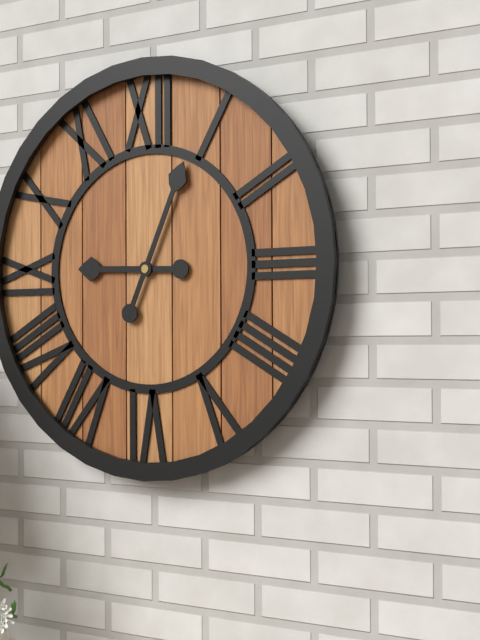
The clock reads 9h04
